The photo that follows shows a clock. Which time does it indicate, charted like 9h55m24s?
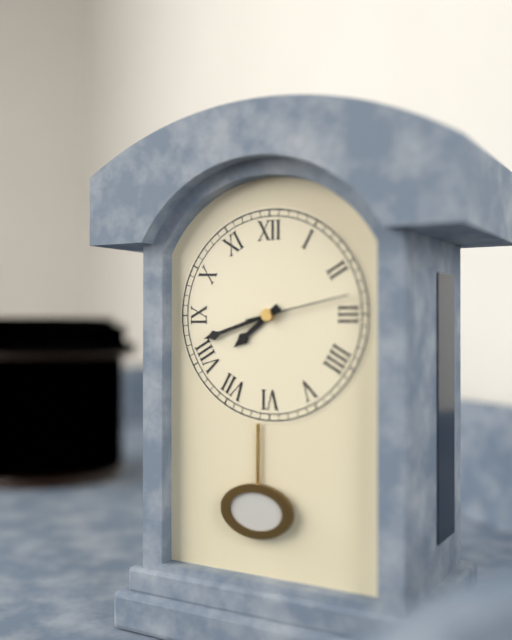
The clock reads 7h42m13s
